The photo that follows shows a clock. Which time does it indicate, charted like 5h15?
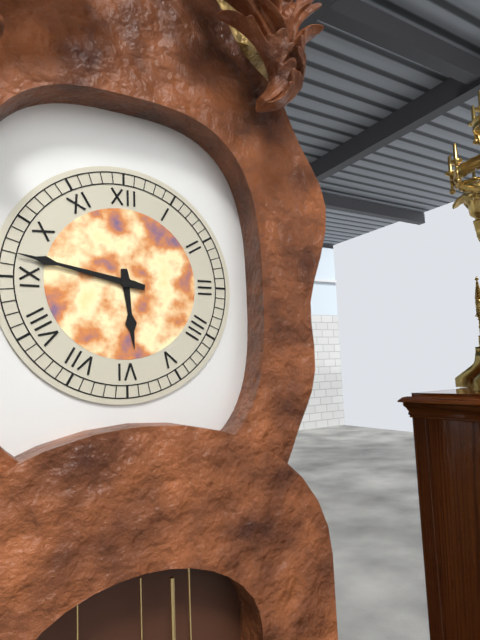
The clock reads 5h47
